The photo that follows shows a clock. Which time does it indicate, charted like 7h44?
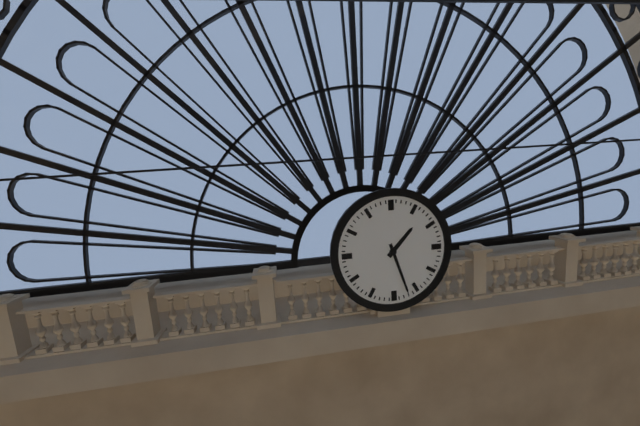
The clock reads 1h27
